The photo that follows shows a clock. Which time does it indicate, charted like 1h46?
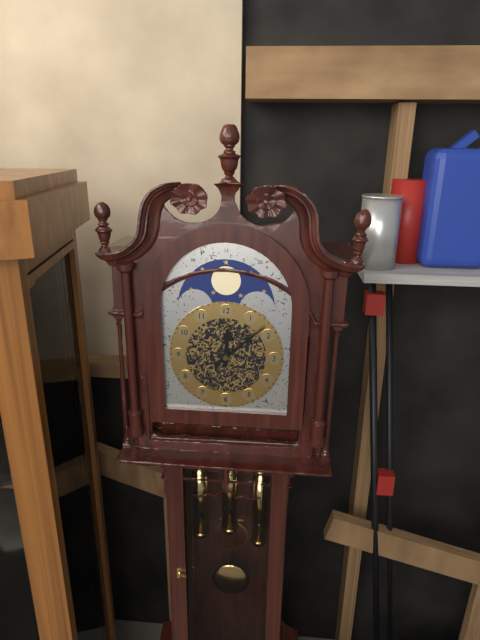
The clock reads 12h08
